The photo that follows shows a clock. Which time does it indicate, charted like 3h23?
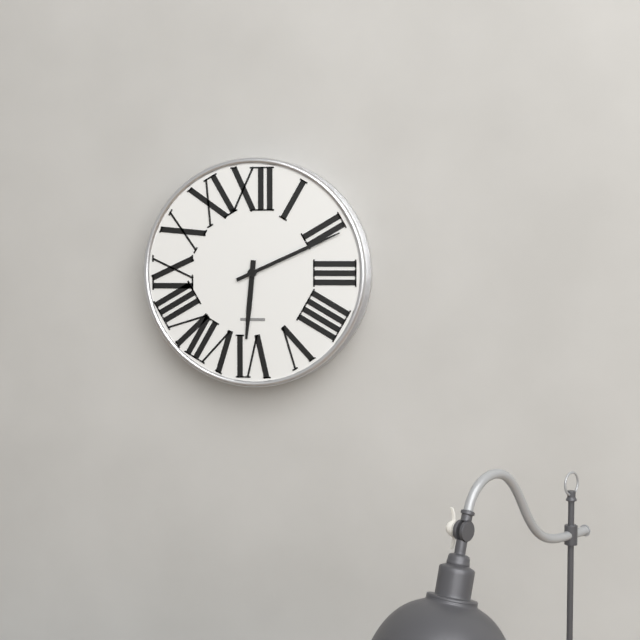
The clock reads 6h11
